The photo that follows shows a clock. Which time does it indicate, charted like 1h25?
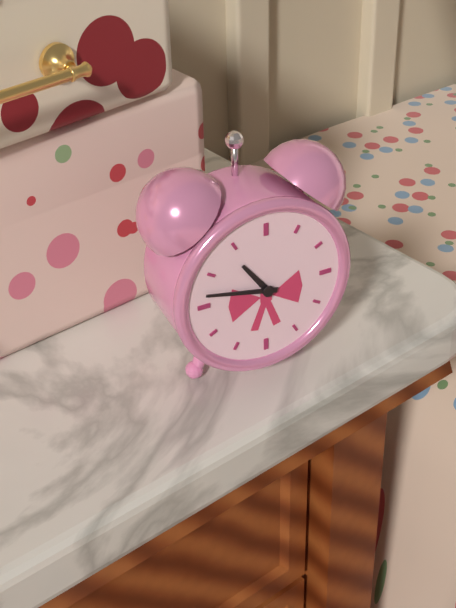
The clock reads 10h47
